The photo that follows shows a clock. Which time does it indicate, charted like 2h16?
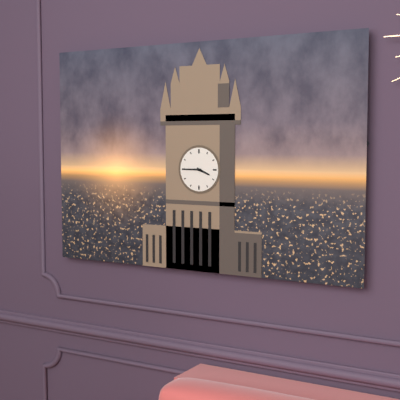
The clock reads 3h45
